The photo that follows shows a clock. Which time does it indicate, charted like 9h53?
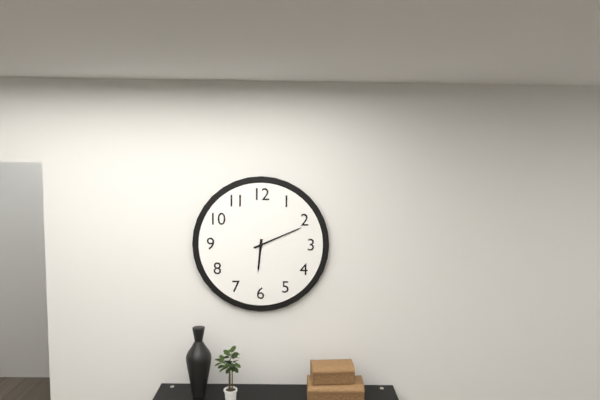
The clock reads 6h11
